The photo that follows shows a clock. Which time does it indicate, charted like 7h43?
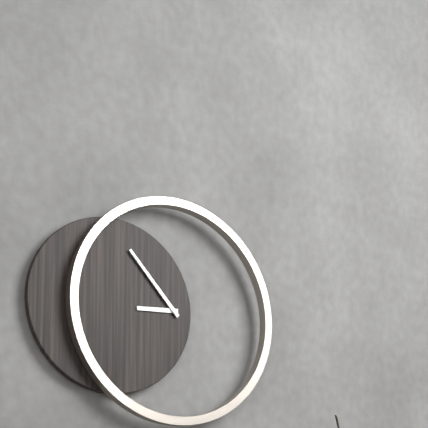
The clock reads 8h53
